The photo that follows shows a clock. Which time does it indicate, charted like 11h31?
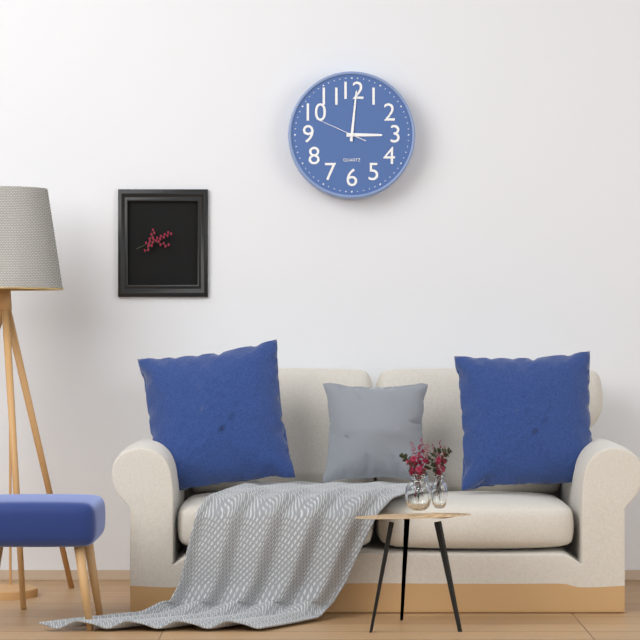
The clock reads 3h01
